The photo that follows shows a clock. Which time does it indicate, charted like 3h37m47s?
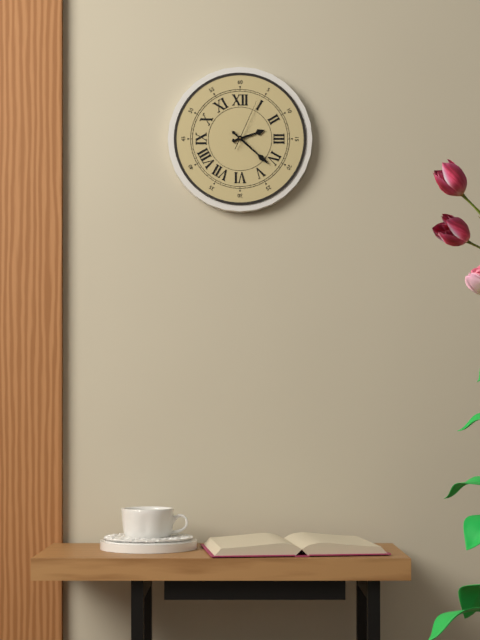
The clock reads 2h22m04s
